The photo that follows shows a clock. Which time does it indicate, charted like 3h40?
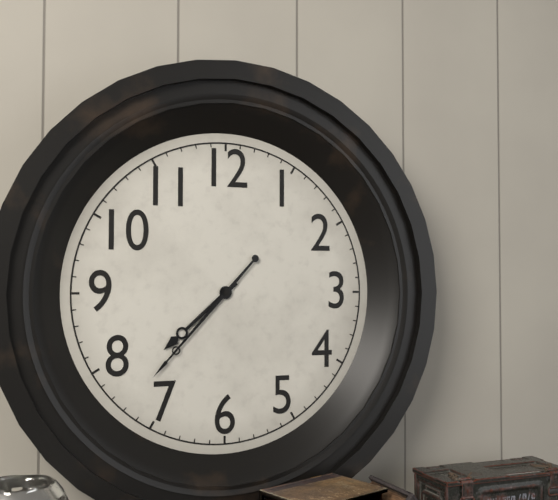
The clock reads 7h37
